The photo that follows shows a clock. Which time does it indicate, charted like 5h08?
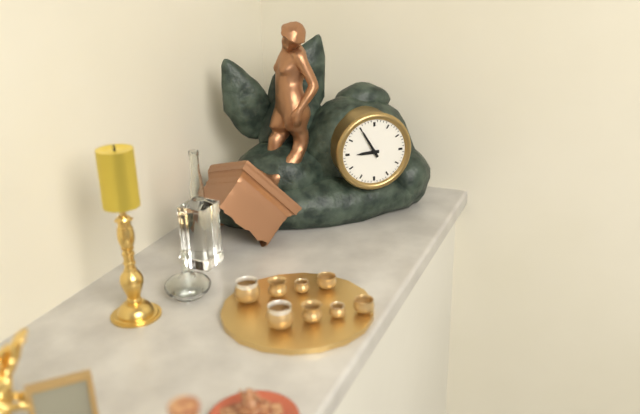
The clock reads 8h55
